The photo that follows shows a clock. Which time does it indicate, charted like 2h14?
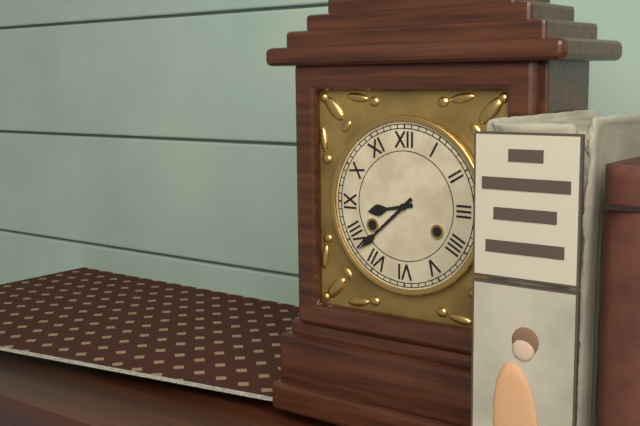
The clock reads 8h38
